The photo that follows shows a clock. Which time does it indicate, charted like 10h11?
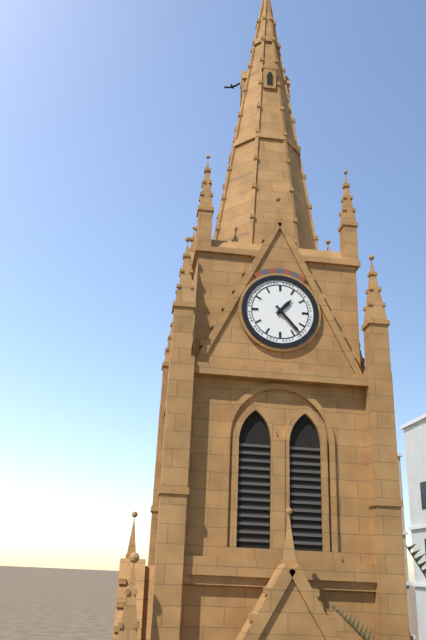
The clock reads 1h23
